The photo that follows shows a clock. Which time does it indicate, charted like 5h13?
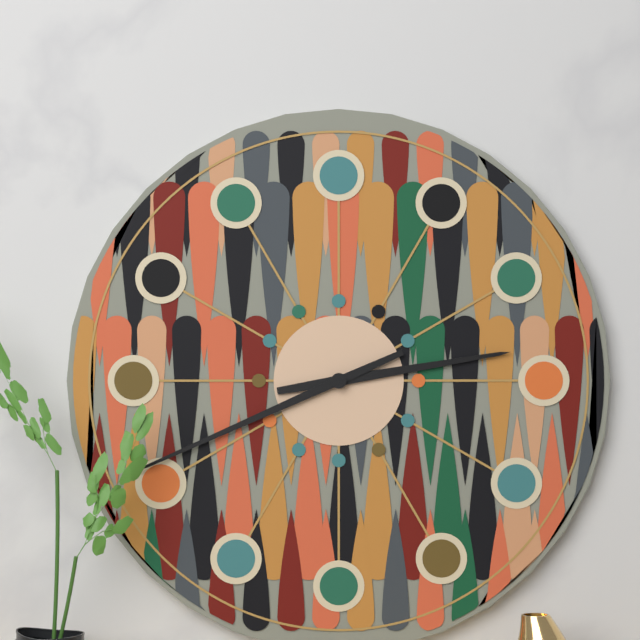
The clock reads 2h41
